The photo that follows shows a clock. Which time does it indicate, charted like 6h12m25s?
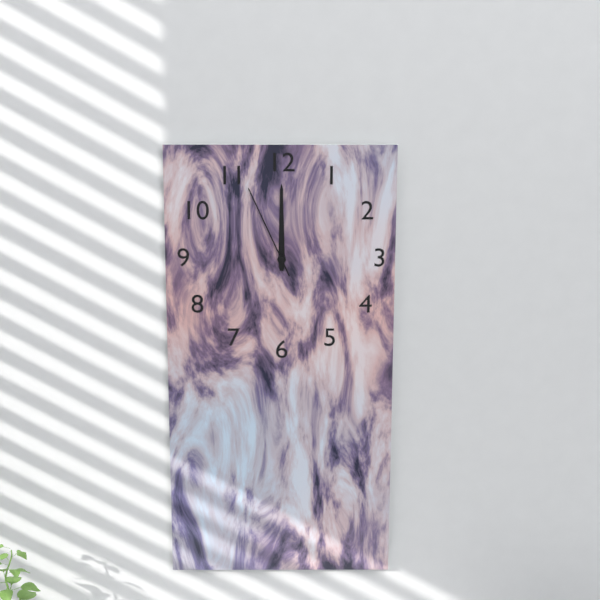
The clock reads 12h00m56s
